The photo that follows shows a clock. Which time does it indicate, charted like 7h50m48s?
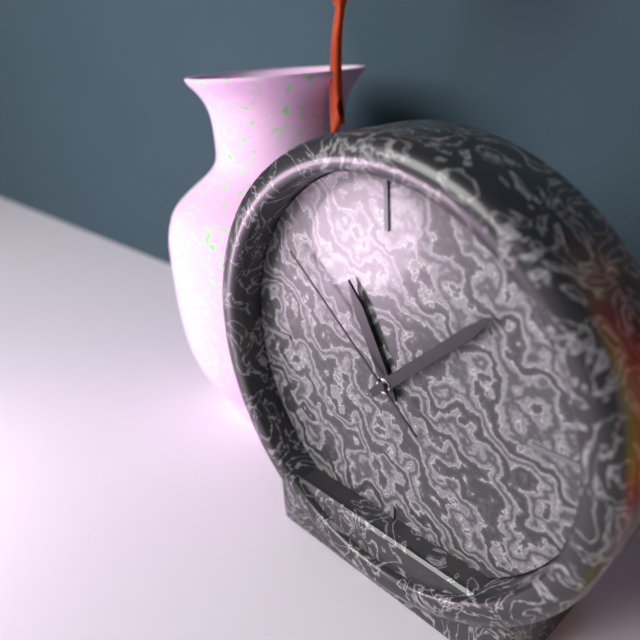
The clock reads 11h08m52s
